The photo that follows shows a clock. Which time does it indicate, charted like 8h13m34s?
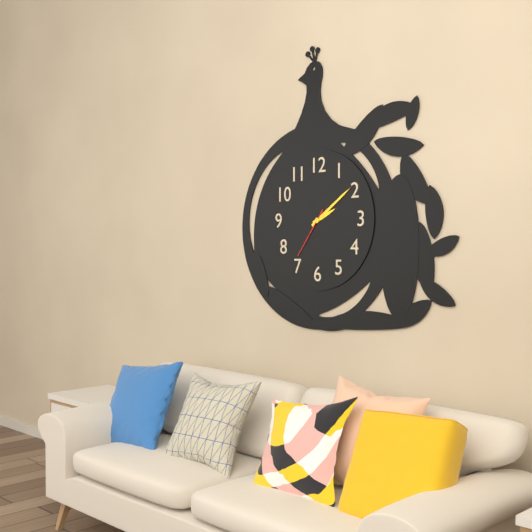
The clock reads 2h09m36s
